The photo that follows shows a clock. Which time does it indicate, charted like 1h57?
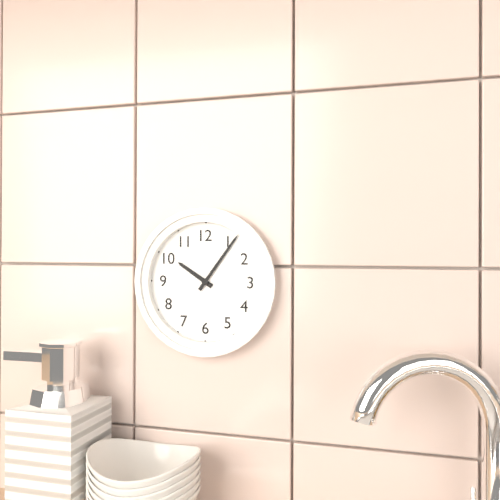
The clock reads 10h06
